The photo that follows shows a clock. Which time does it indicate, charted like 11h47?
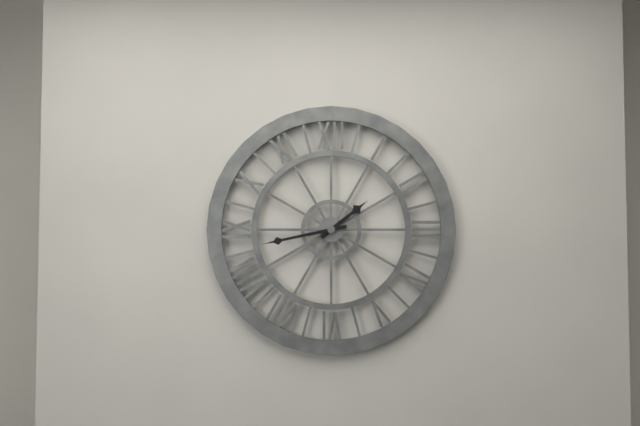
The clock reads 1h43
